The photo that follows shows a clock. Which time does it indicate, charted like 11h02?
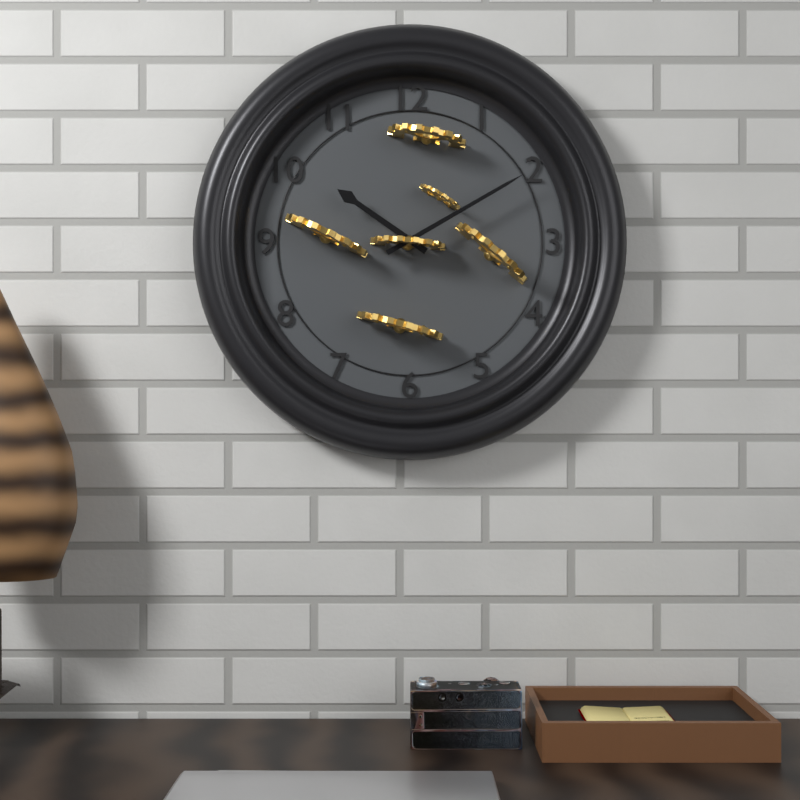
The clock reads 10h10
